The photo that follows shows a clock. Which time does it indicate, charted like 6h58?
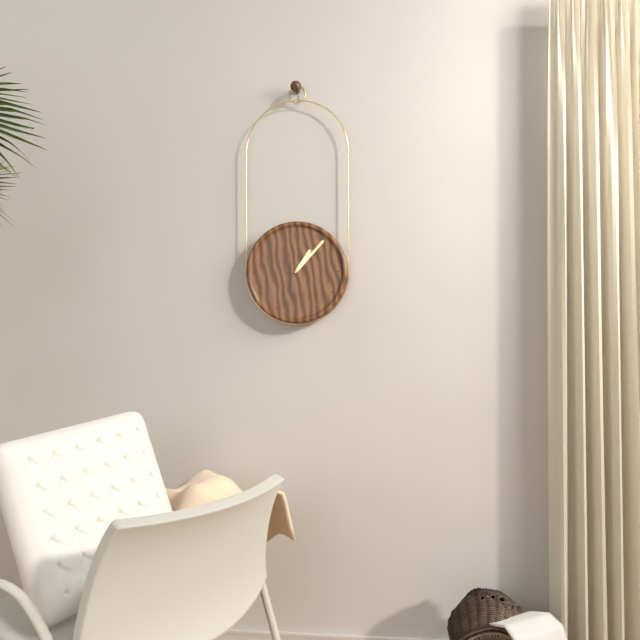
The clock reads 1h07
